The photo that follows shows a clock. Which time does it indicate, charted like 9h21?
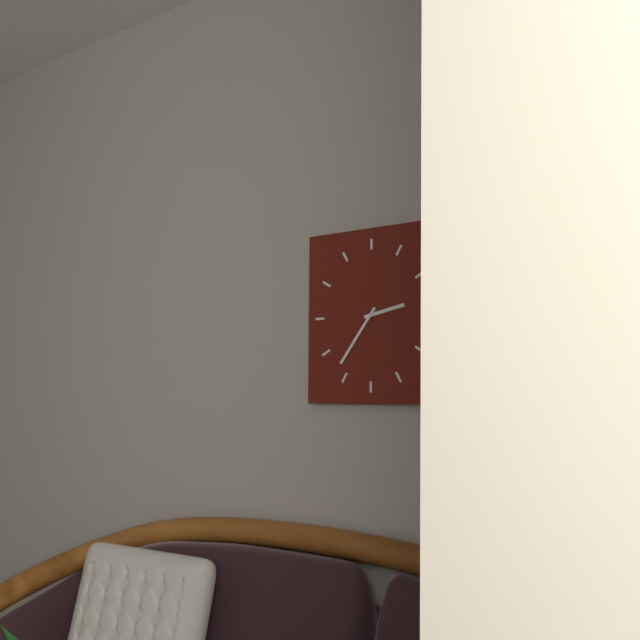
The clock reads 2h36
